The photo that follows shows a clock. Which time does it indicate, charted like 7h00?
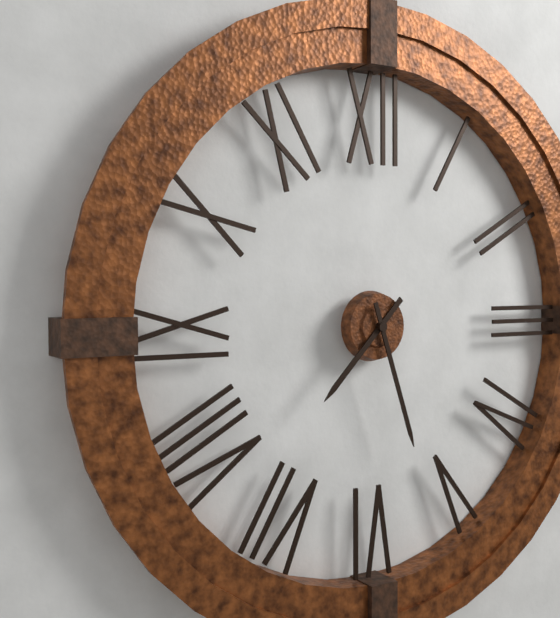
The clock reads 7h27
